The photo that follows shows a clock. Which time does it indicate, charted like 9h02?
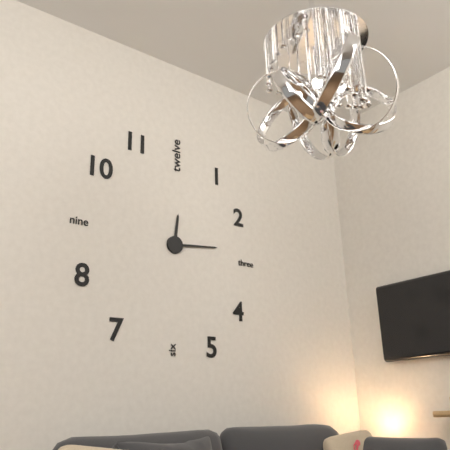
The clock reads 12h14
